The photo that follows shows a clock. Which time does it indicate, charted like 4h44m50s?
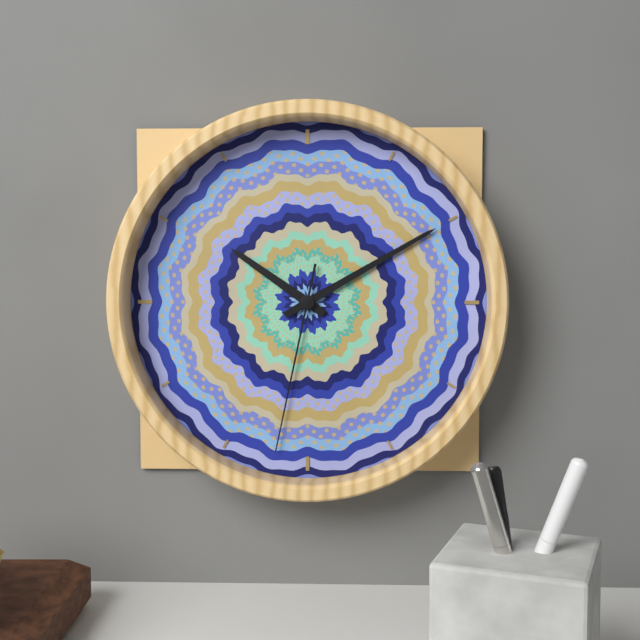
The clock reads 10h10m32s
